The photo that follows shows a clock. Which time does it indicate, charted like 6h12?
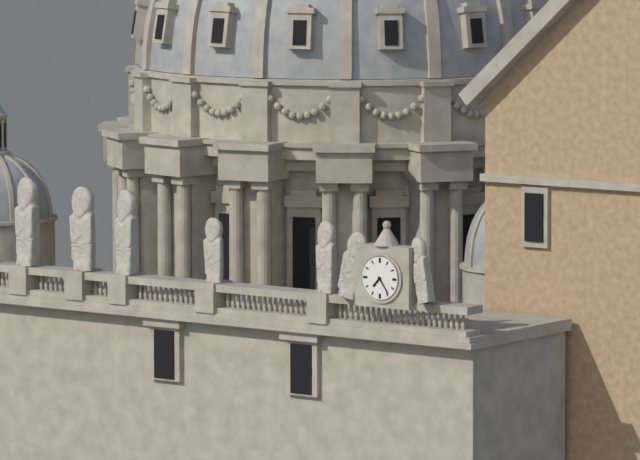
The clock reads 7h24
